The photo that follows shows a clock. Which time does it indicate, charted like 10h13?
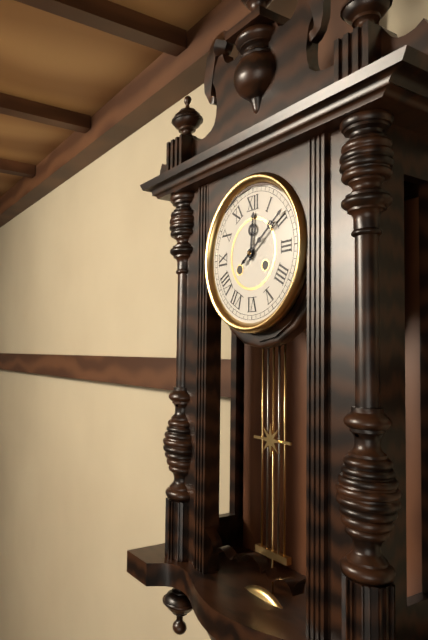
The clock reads 12h09
